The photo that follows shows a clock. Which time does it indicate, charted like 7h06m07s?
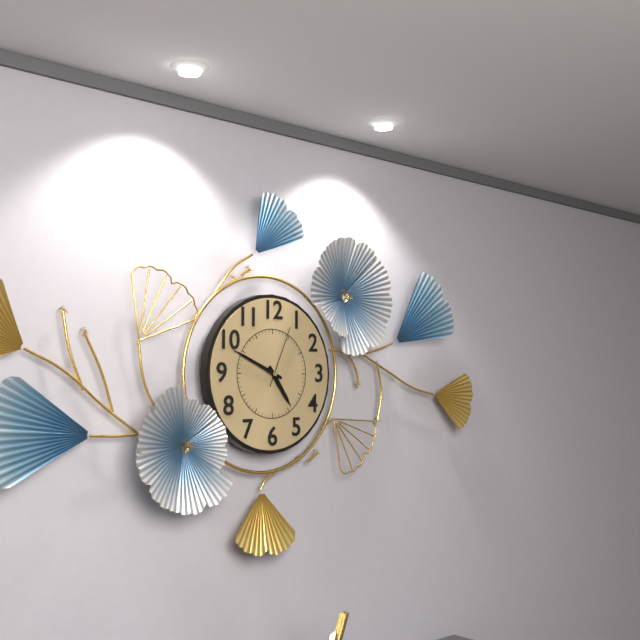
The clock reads 4h49m04s
